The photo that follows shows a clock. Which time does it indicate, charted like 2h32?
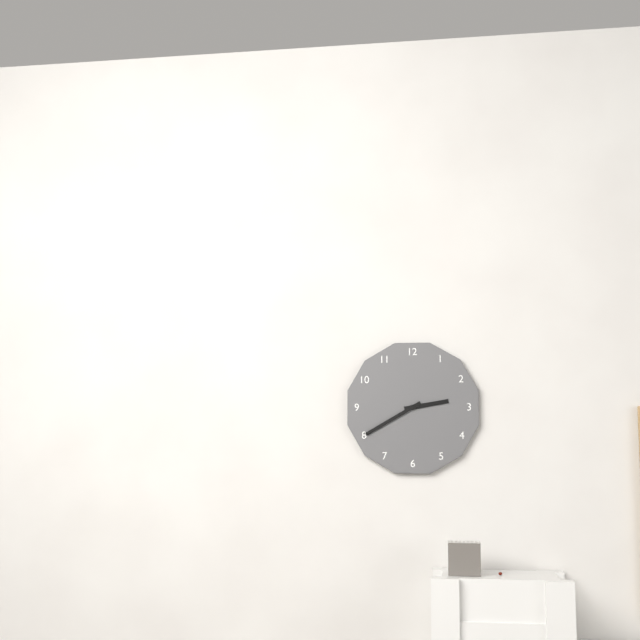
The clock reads 2h40
